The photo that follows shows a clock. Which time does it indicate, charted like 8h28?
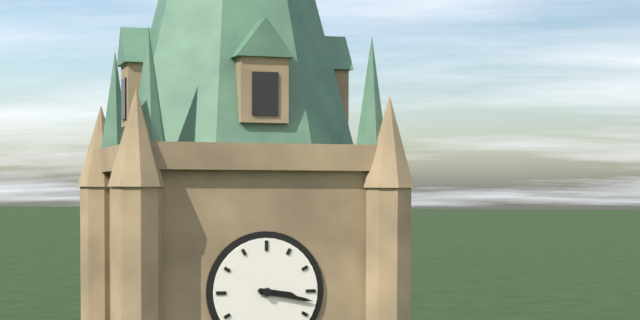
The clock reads 3h17
